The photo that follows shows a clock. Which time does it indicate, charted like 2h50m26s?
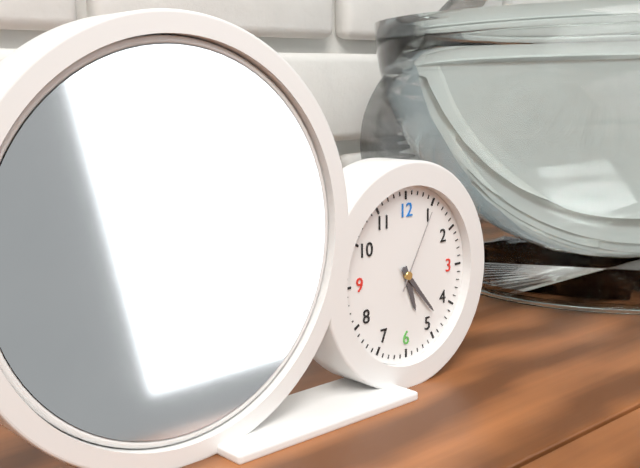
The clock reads 5h23m05s
